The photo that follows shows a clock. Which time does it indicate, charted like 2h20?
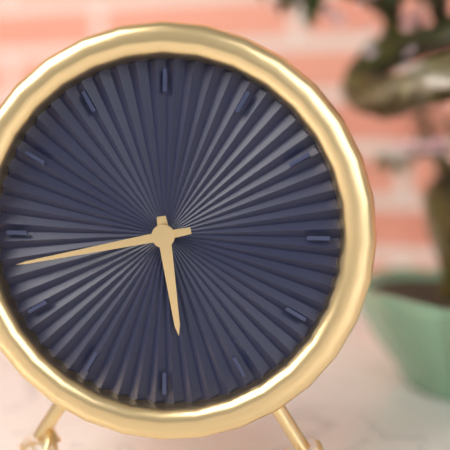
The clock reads 5h43
